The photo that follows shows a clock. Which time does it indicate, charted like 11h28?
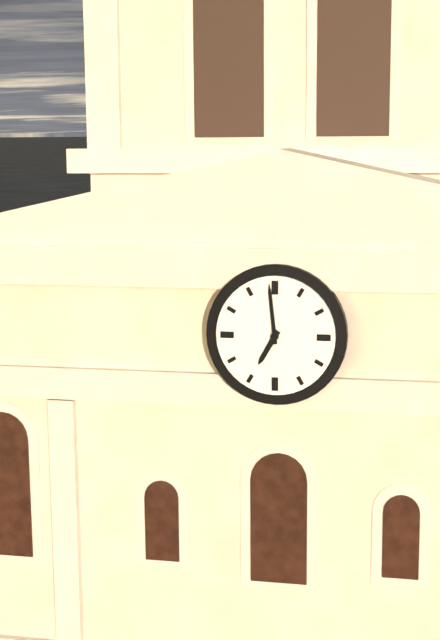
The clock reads 6h59
